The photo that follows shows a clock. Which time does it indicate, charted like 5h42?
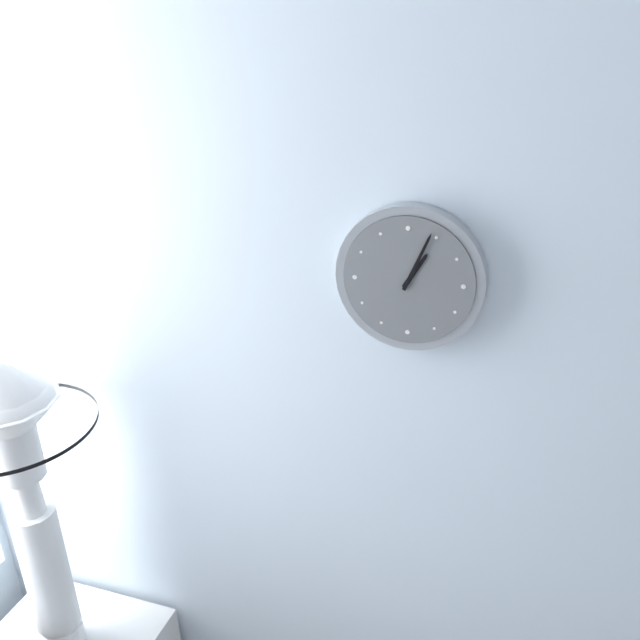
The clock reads 1h04
